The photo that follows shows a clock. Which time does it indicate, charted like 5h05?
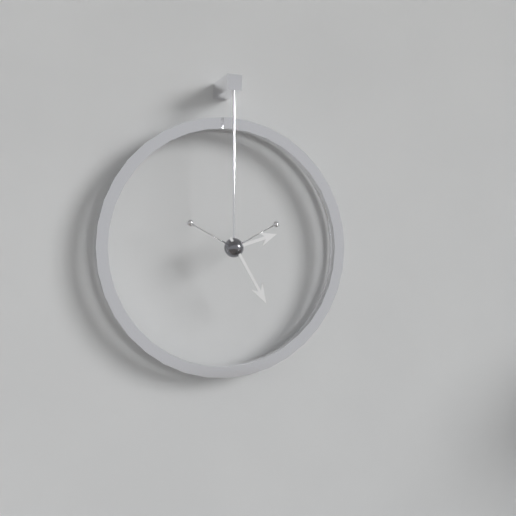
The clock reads 2h25
